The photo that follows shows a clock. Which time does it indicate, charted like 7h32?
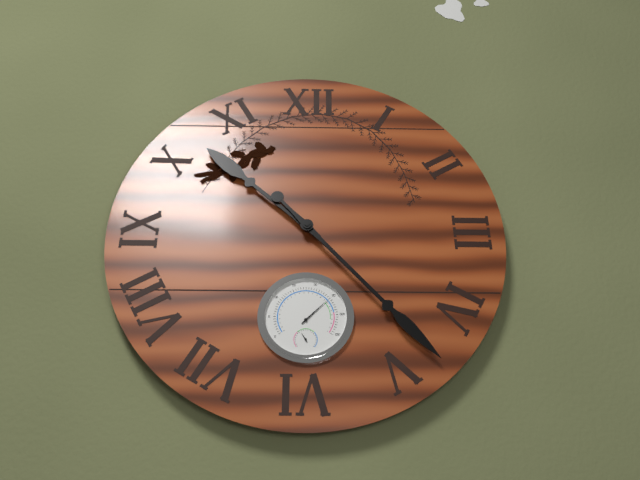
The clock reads 10h23
